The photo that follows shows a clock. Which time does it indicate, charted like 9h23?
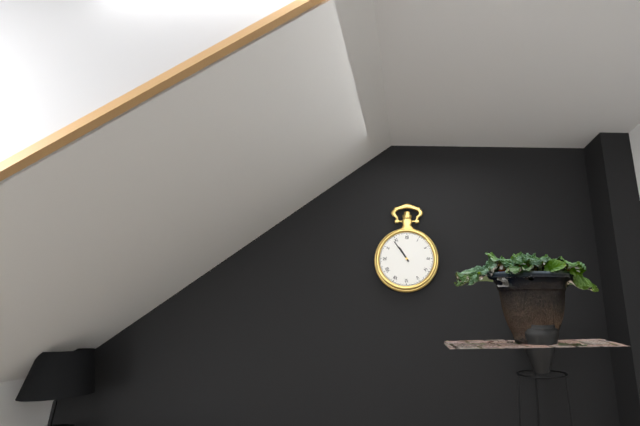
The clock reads 10h54
